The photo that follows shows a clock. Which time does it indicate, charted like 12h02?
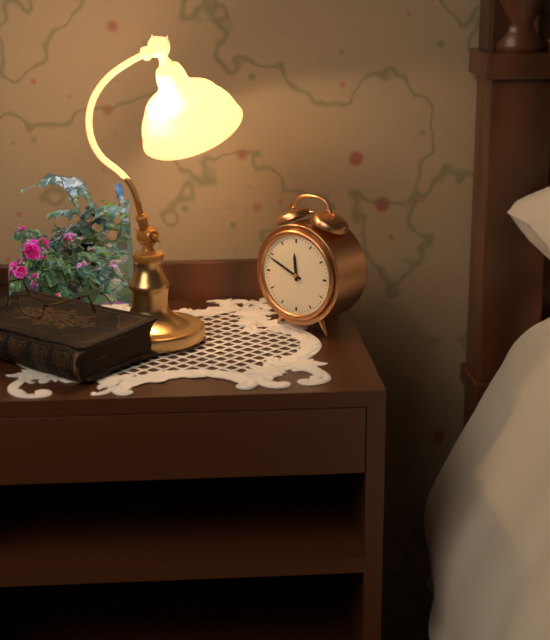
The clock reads 11h49
